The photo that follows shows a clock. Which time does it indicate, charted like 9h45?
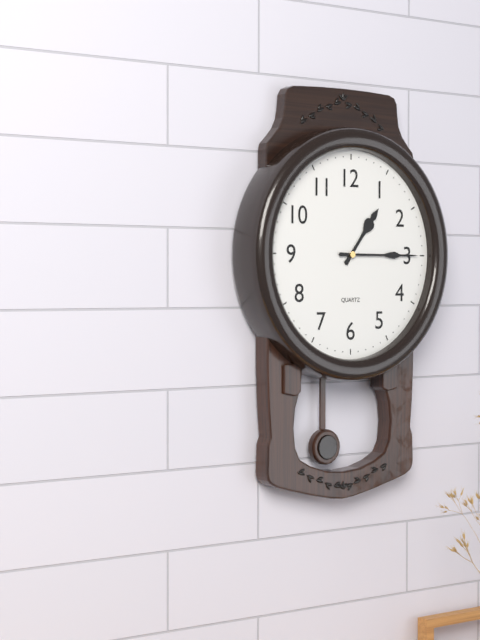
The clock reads 1h15
